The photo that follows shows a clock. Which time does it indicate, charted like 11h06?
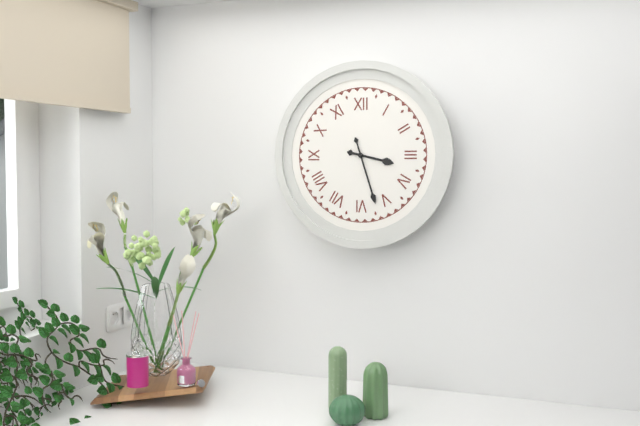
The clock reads 3h27
